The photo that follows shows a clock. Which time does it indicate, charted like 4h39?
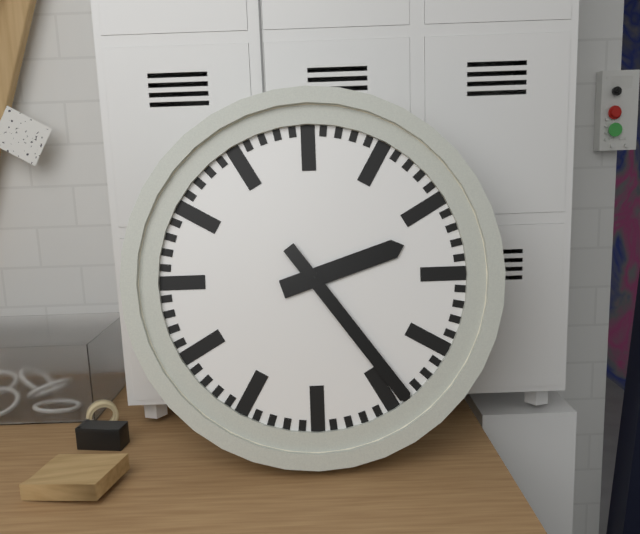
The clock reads 2h24
